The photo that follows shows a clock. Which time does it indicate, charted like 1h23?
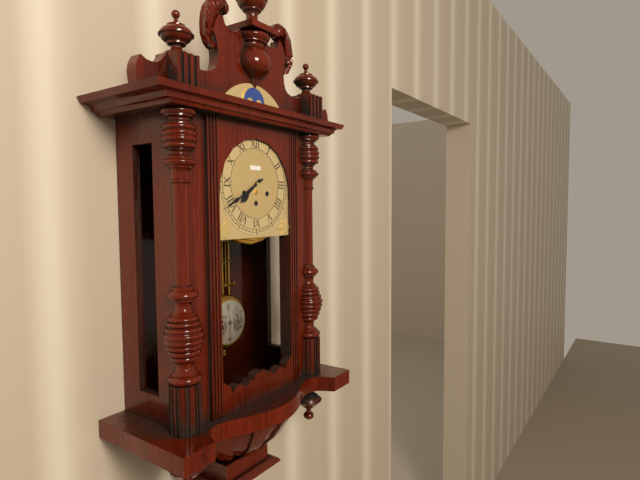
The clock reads 7h40
